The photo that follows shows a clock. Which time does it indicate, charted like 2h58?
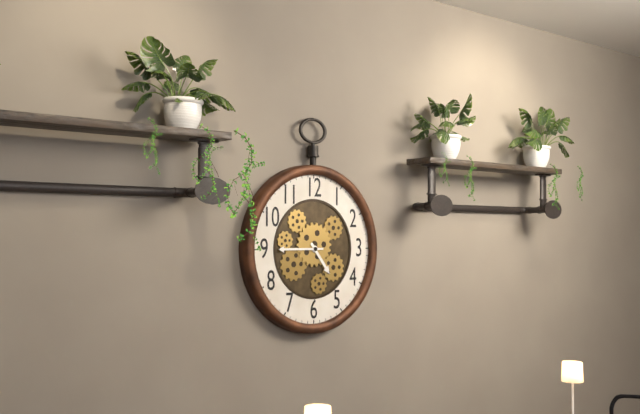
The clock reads 4h45
